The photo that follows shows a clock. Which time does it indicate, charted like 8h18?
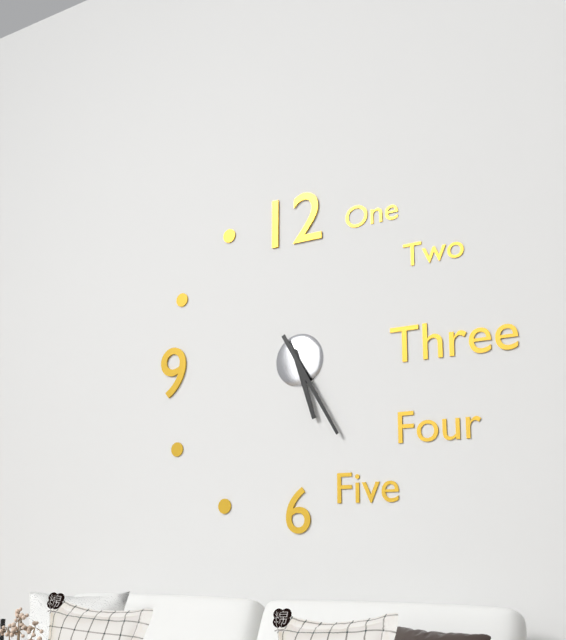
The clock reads 5h25
